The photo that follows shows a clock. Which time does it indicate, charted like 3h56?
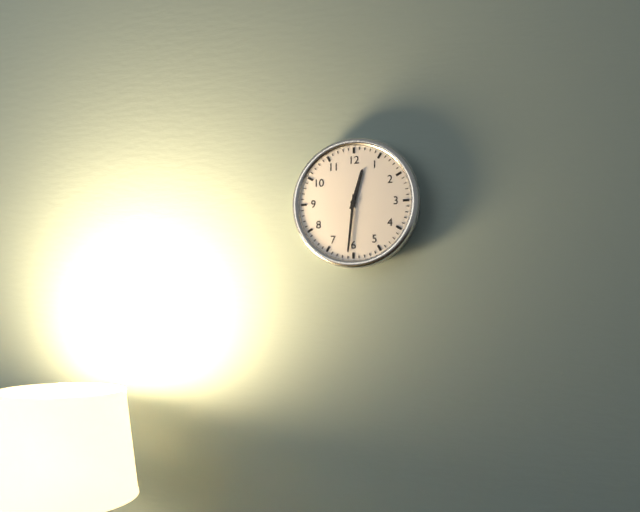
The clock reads 12h31
